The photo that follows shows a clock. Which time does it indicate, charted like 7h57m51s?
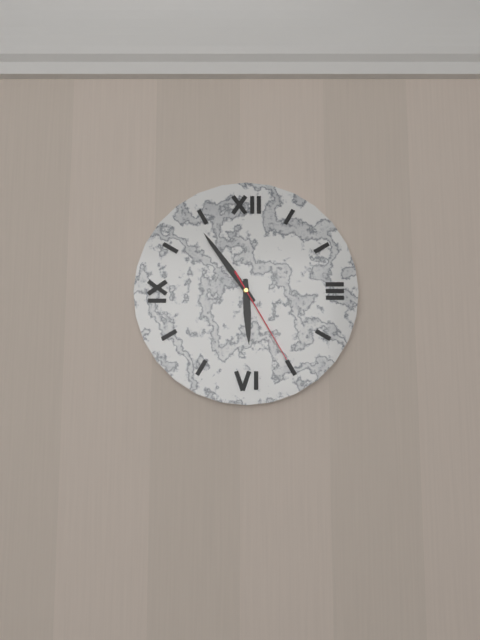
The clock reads 5h54m25s
